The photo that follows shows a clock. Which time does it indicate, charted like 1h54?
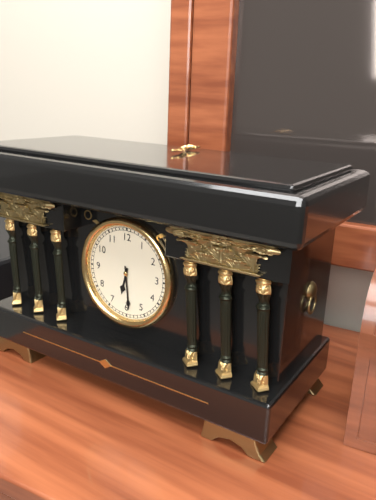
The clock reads 6h29
